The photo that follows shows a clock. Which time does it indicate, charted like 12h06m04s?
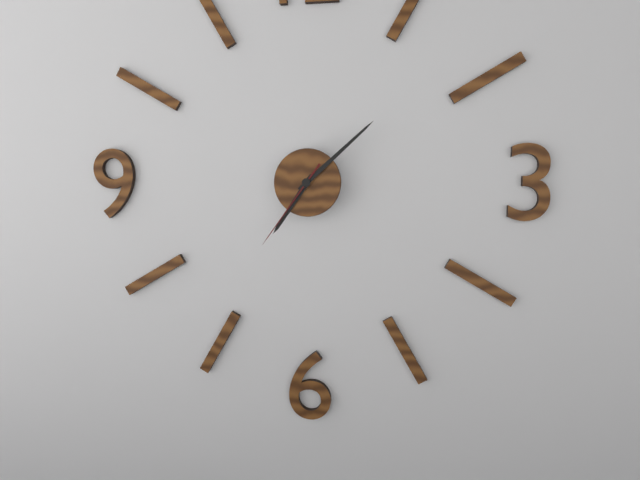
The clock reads 7h08m36s
